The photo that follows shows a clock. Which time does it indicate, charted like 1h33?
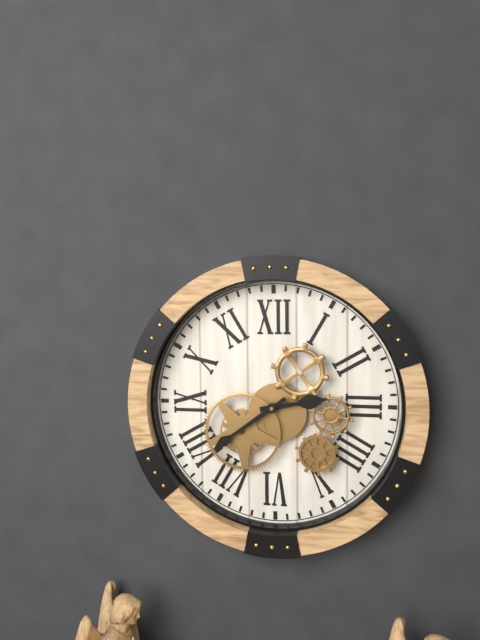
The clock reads 2h39
